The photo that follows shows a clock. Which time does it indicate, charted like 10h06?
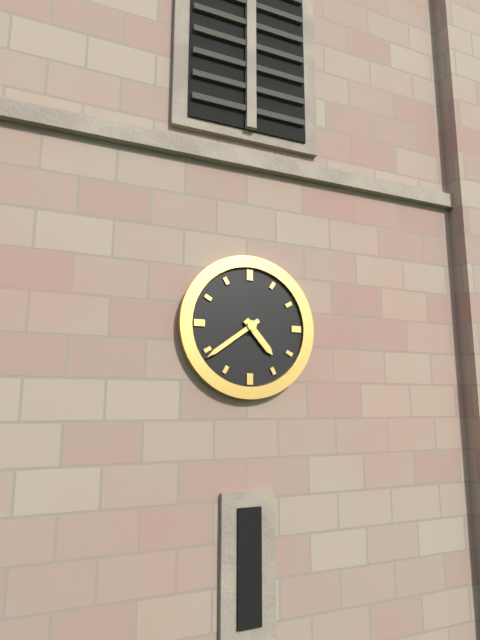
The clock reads 4h39
